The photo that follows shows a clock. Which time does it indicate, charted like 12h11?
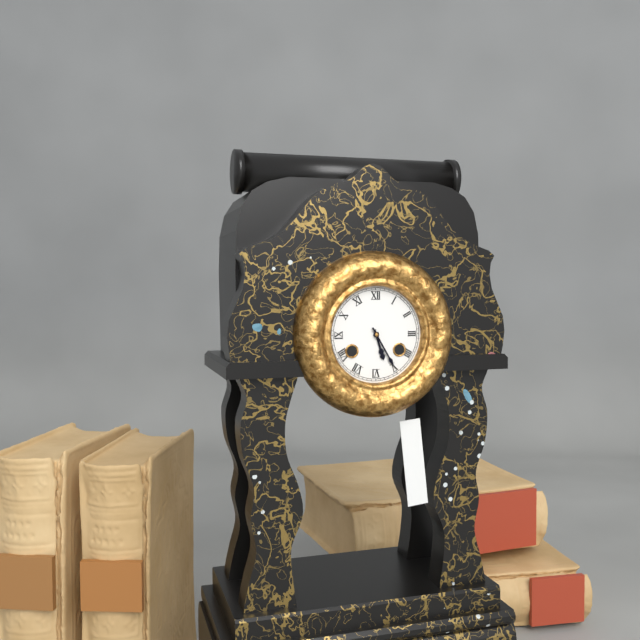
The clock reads 5h25
